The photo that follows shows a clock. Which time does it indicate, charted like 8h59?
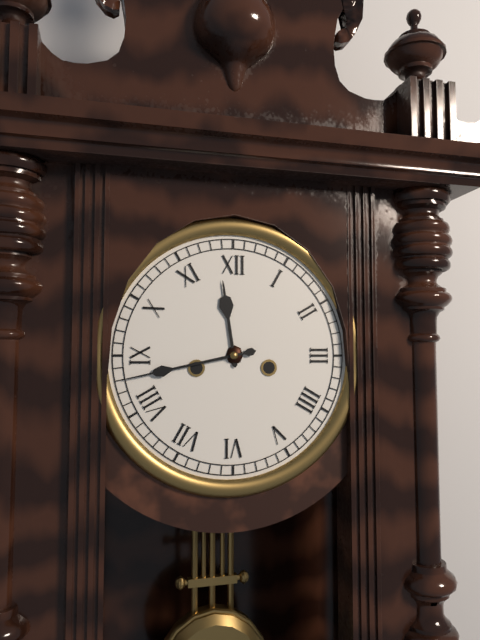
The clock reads 11h43
